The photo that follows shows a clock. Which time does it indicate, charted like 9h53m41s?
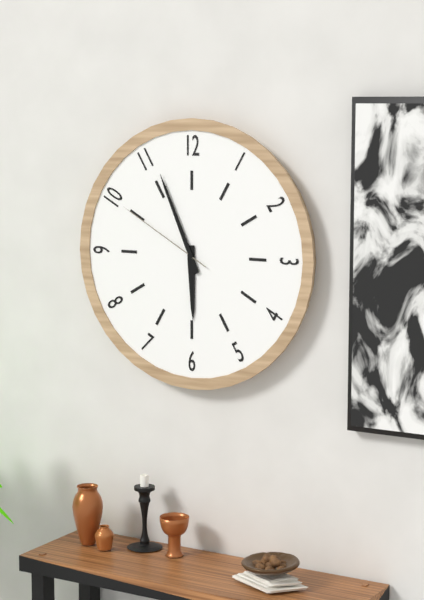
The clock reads 5h56m50s
